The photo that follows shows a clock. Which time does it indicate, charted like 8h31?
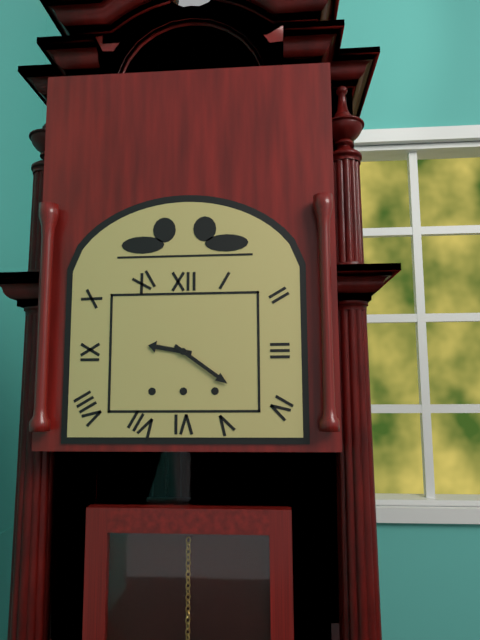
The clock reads 9h21
